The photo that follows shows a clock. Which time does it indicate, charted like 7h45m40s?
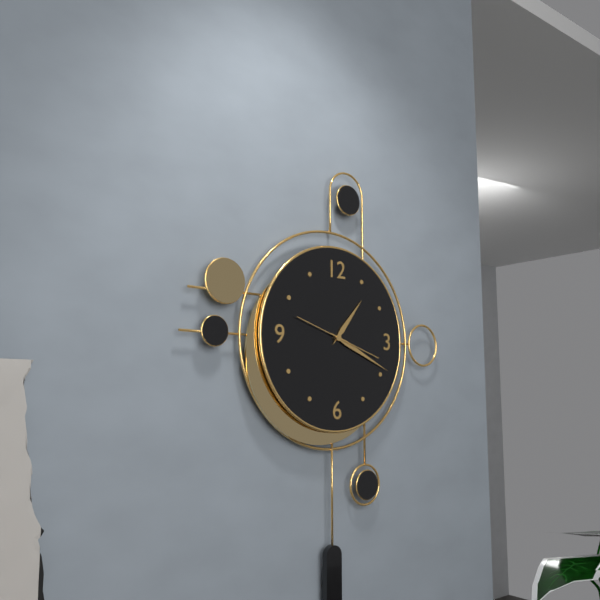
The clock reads 1h19m18s
